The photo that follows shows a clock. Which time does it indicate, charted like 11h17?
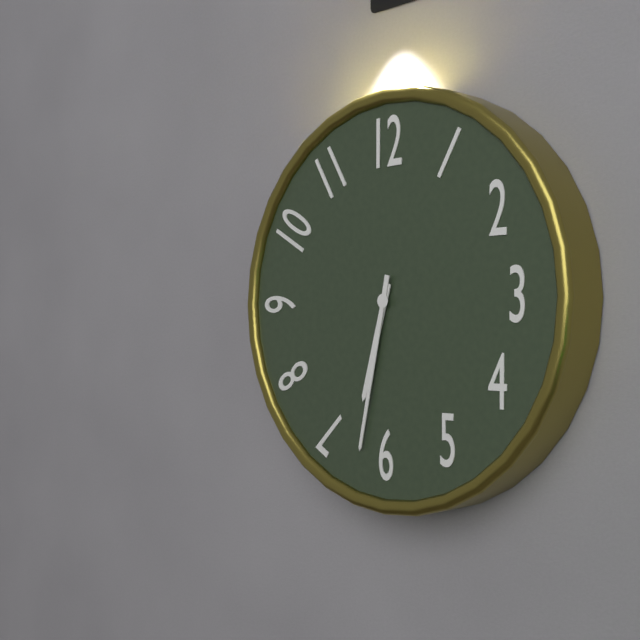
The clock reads 6h32
